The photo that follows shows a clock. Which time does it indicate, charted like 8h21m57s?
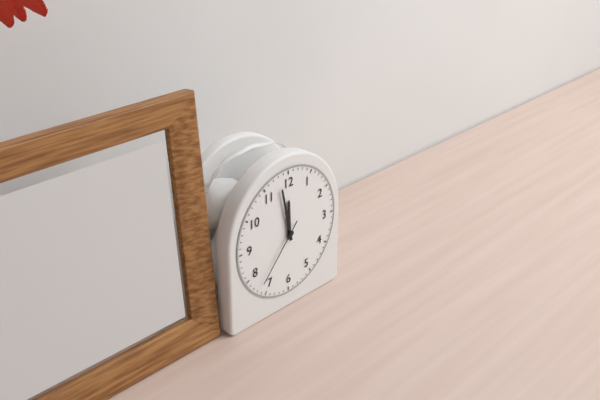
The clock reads 11h58m37s
